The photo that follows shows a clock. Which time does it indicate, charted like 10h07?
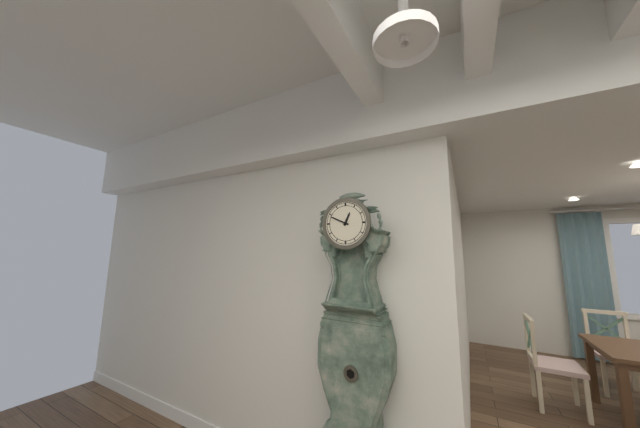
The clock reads 12h49
